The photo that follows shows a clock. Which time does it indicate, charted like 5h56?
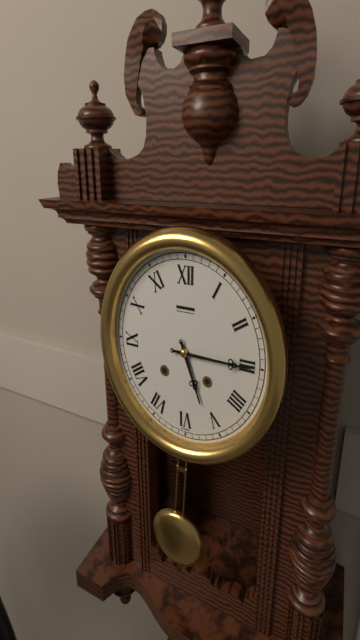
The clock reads 5h15
